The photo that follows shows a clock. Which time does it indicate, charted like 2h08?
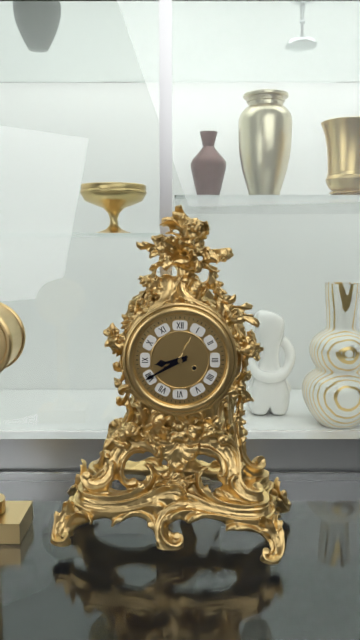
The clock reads 8h40
